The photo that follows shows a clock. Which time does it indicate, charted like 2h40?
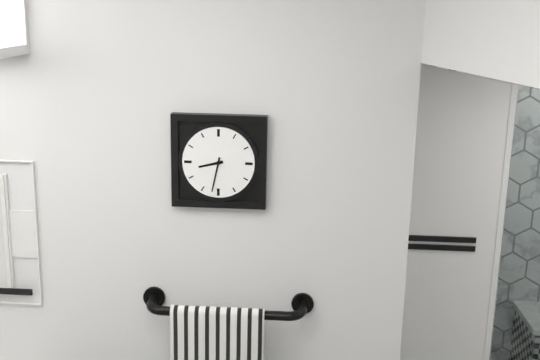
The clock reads 8h32
